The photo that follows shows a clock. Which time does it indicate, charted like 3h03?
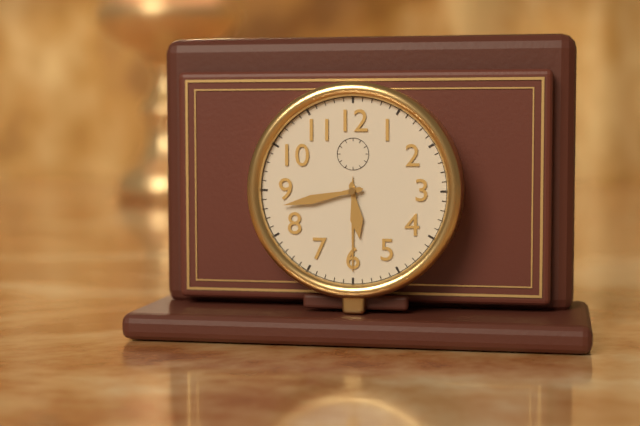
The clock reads 5h43
